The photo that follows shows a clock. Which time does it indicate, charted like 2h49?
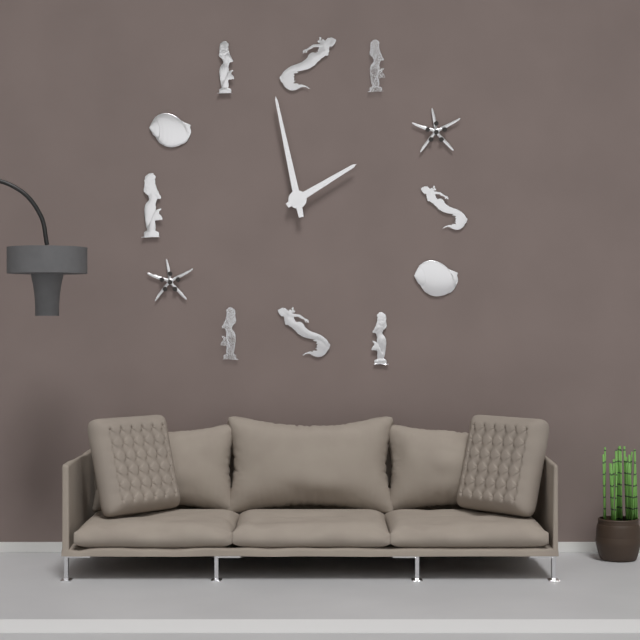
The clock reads 1h58
